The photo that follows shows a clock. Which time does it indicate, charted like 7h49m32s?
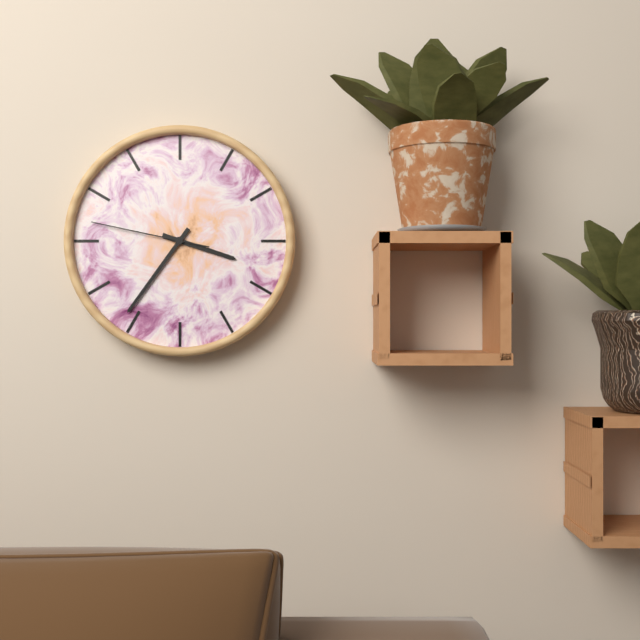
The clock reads 3h36m47s
